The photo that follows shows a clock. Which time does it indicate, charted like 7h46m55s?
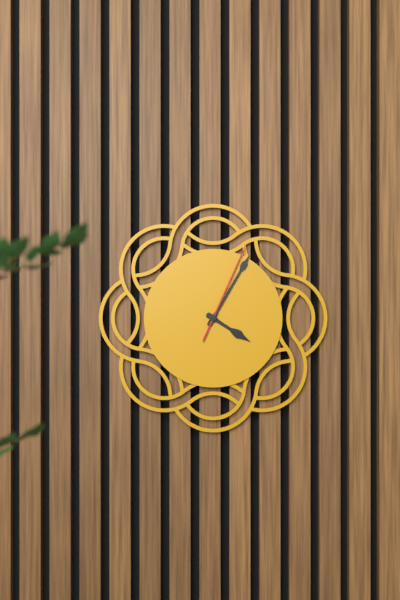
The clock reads 4h05m04s
